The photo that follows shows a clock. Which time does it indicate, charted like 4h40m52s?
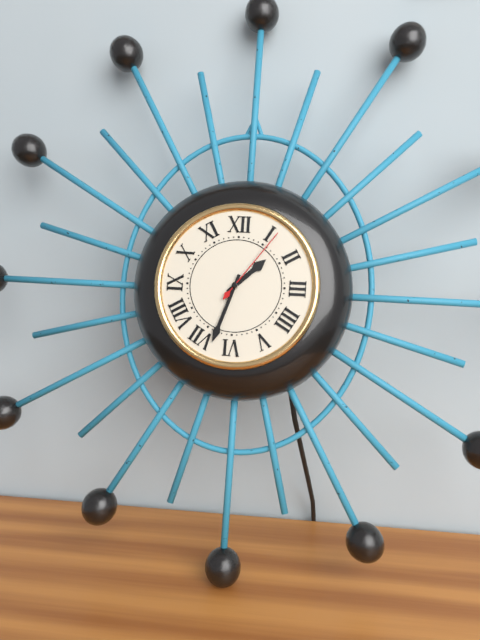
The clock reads 1h33m06s
